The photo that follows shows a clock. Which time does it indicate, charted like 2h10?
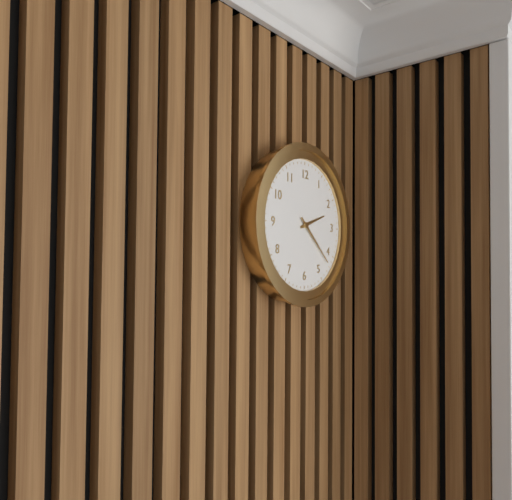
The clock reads 2h22
